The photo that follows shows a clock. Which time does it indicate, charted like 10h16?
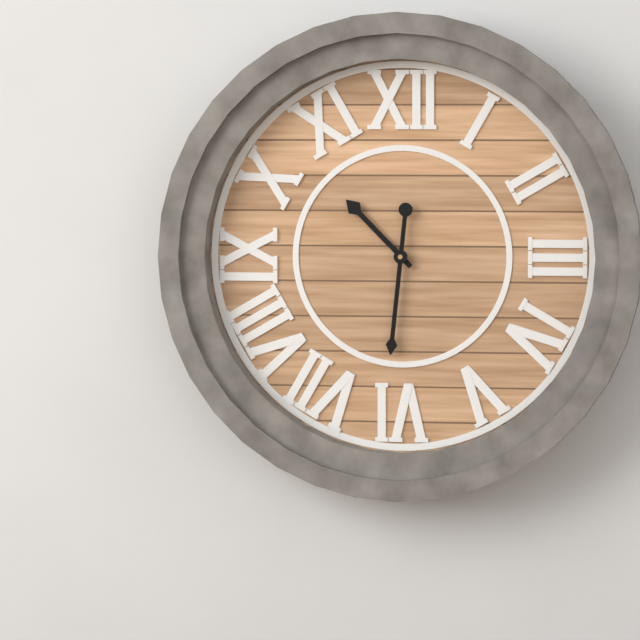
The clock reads 10h31
